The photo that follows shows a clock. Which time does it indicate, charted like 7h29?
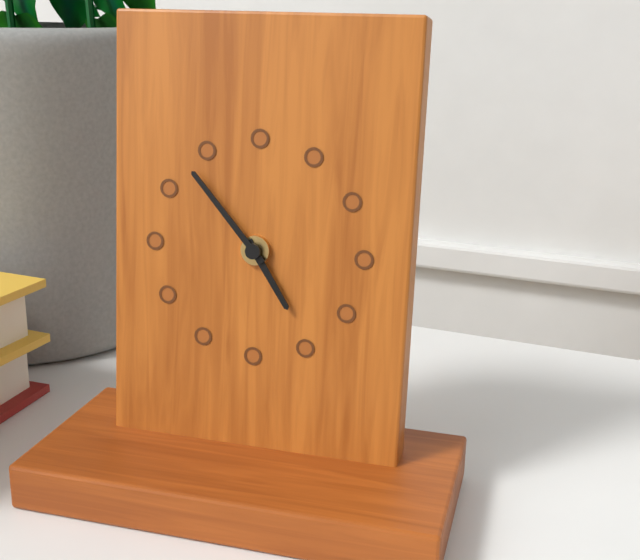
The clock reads 4h53
